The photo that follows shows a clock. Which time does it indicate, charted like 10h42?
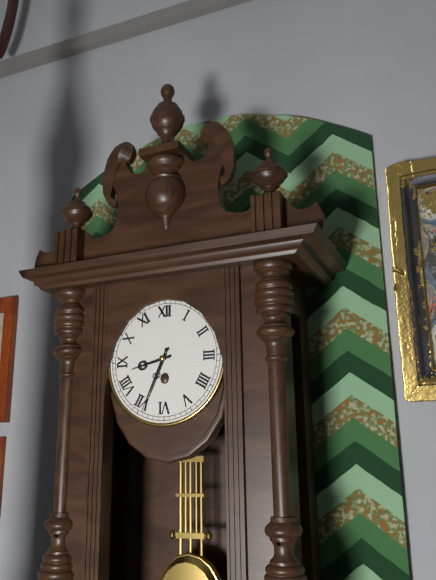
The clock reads 8h34
